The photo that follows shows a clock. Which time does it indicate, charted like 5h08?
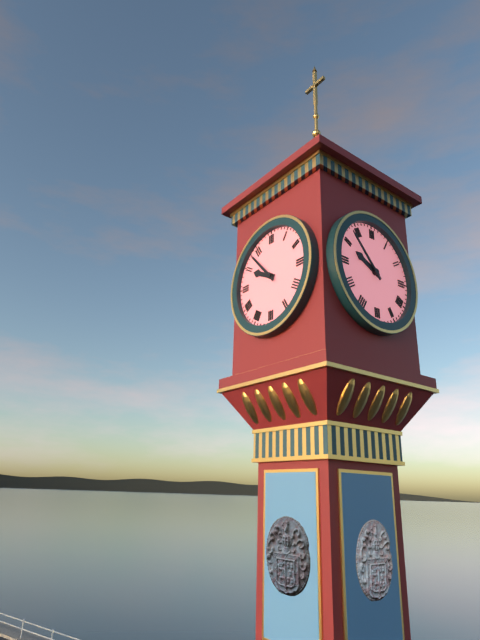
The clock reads 9h53
